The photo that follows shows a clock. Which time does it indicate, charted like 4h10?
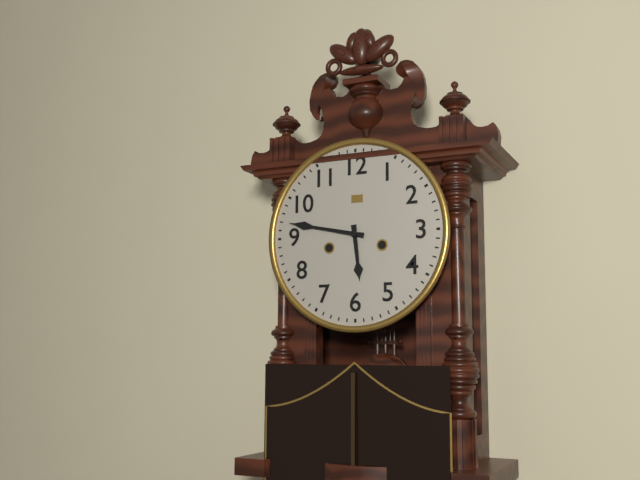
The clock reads 5h47
